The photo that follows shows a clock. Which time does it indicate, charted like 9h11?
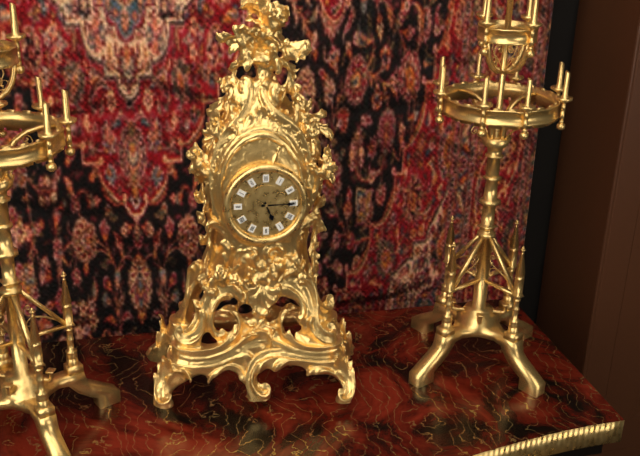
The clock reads 5h15
